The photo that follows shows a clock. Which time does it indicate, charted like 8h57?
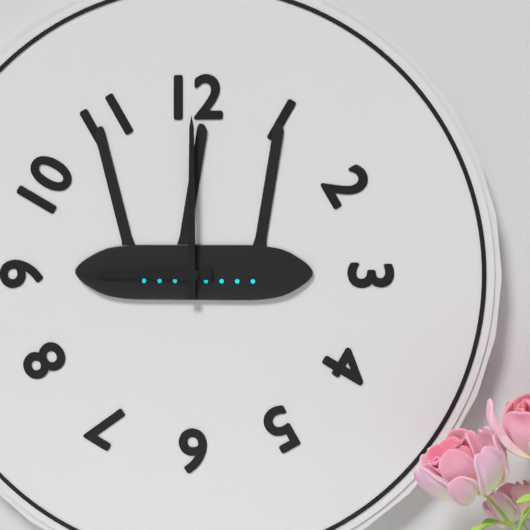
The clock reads 9h00
